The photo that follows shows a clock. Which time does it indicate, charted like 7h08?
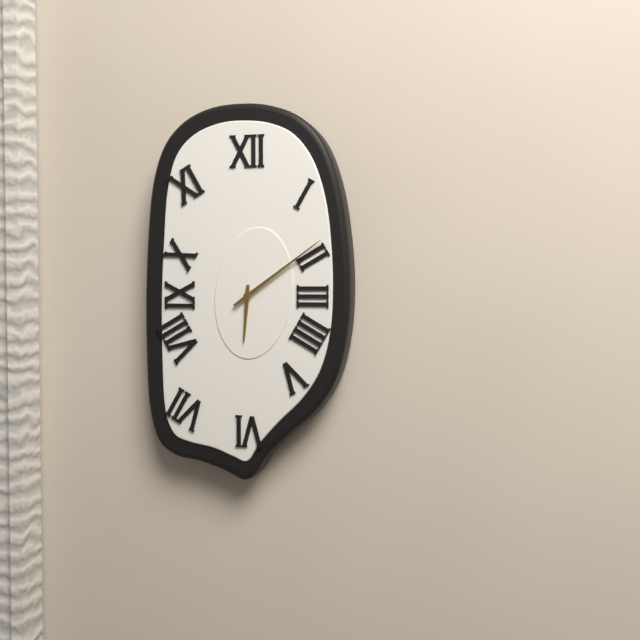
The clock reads 6h09
